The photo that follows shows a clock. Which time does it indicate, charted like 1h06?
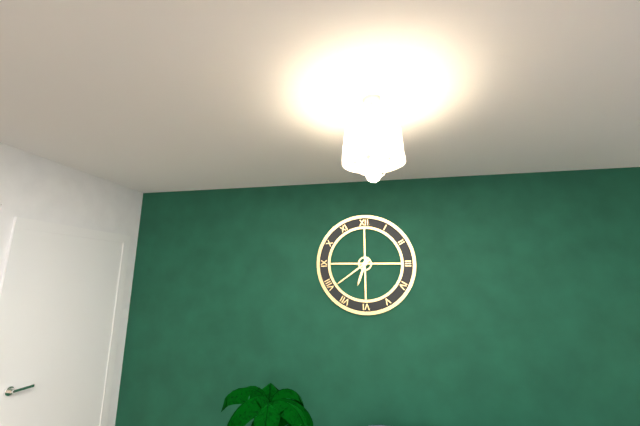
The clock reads 6h39
